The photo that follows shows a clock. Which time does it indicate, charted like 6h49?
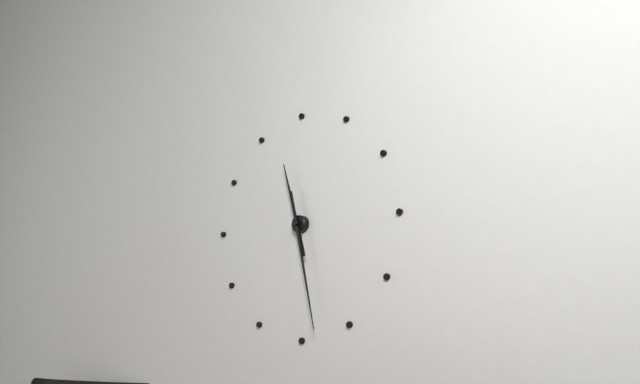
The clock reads 11h28
